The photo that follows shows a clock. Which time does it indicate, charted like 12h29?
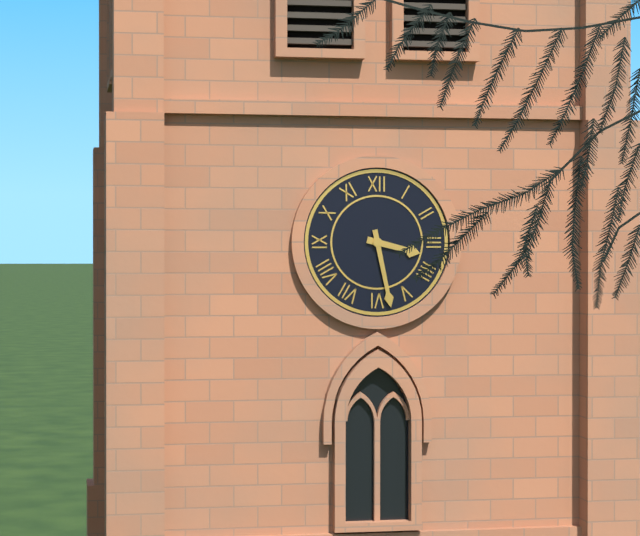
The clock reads 3h28
